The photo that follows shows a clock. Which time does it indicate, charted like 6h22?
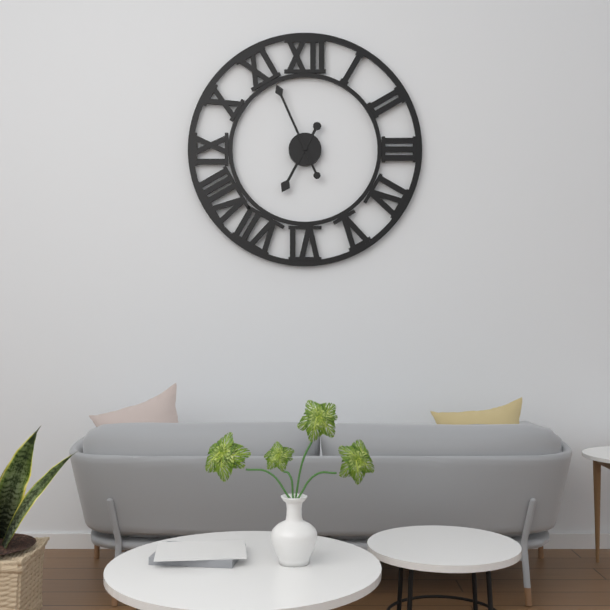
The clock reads 6h56
